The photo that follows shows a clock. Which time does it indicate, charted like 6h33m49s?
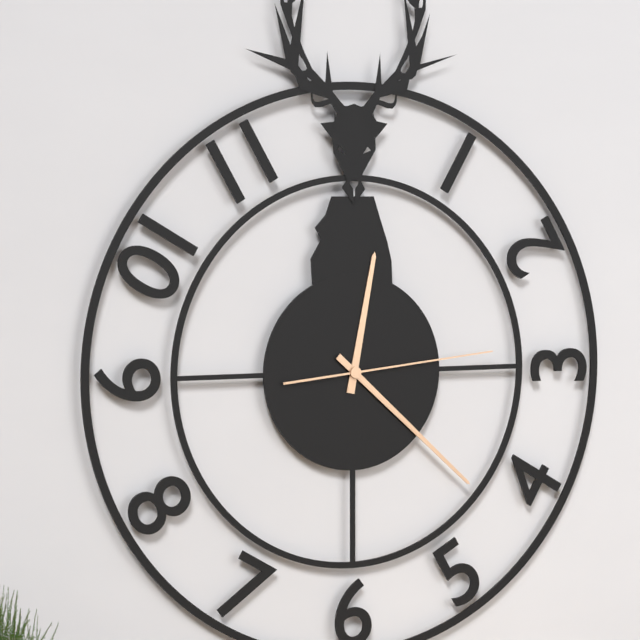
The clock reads 12h22m14s
